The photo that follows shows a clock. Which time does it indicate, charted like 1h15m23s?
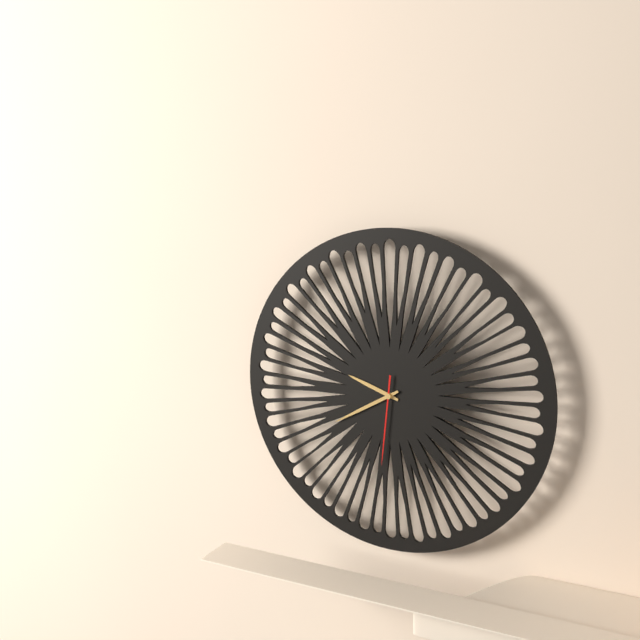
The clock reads 9h40m31s
